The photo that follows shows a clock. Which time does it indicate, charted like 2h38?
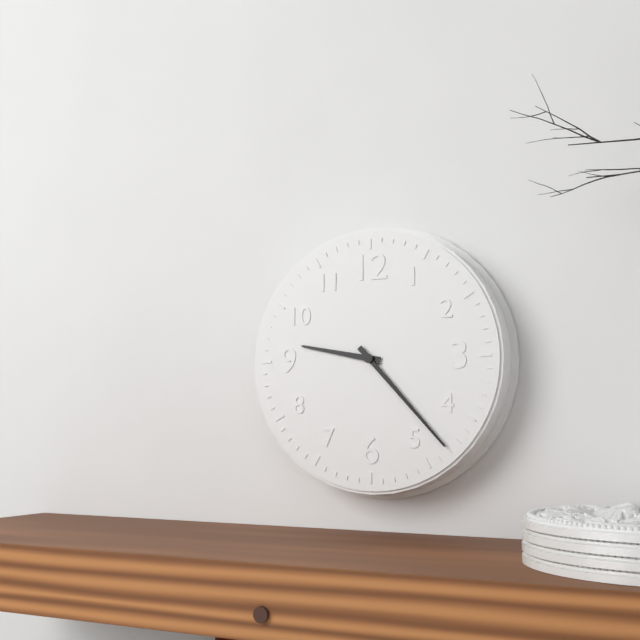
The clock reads 9h23
